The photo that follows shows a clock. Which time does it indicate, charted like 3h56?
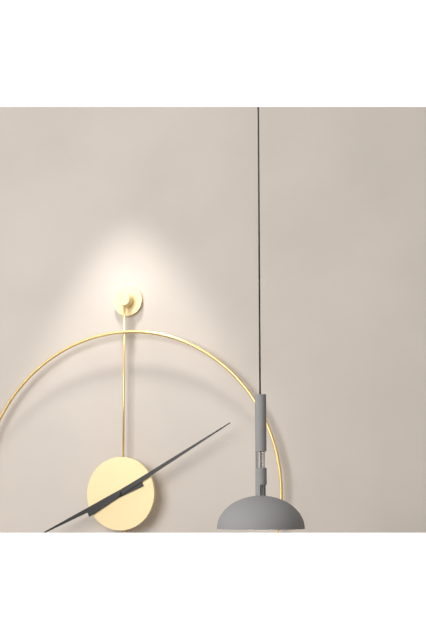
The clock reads 8h10
